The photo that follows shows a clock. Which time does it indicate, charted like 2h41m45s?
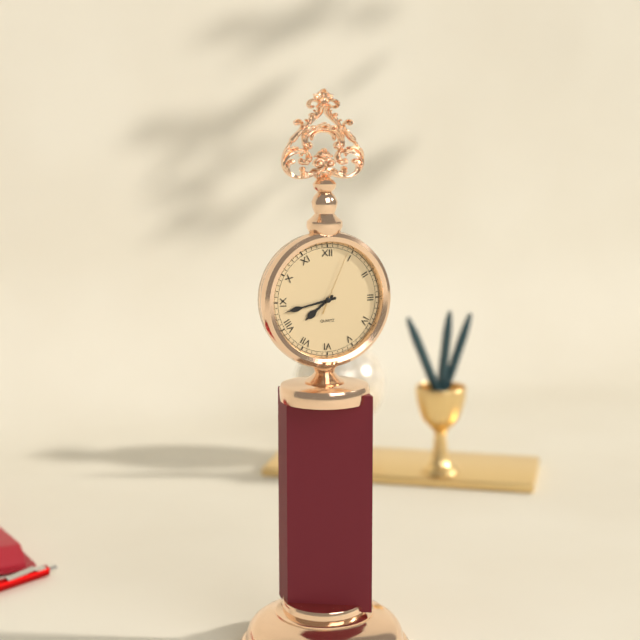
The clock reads 7h43m04s
